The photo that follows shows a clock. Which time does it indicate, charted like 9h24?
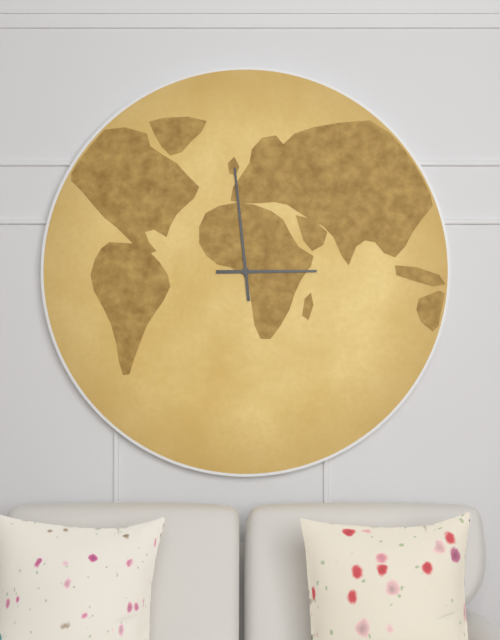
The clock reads 2h59
